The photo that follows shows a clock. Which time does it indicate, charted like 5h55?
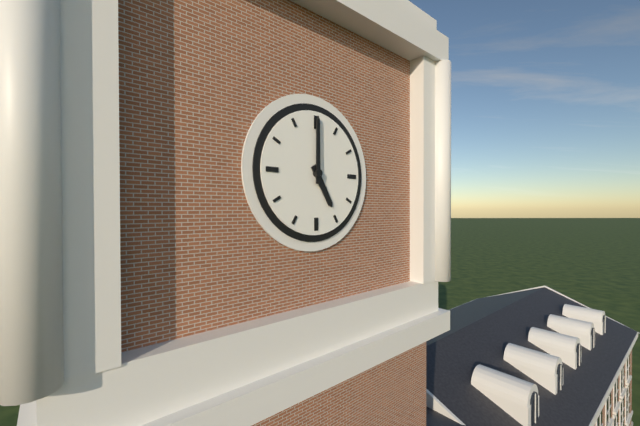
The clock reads 5h00
